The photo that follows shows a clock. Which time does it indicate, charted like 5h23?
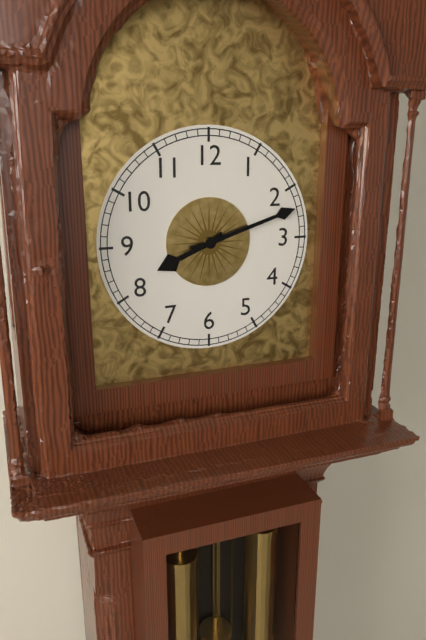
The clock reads 8h12
